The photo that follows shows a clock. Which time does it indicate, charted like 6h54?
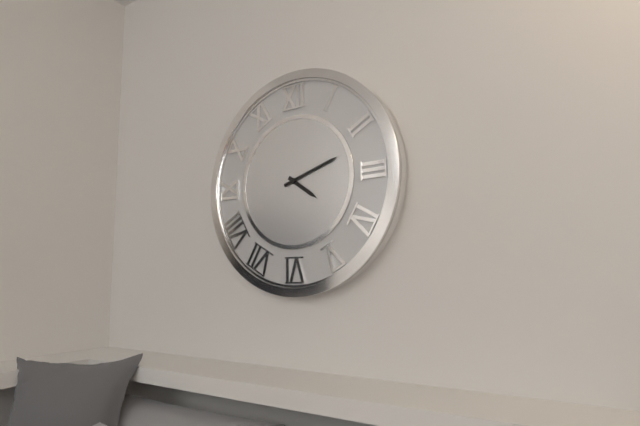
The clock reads 4h12
